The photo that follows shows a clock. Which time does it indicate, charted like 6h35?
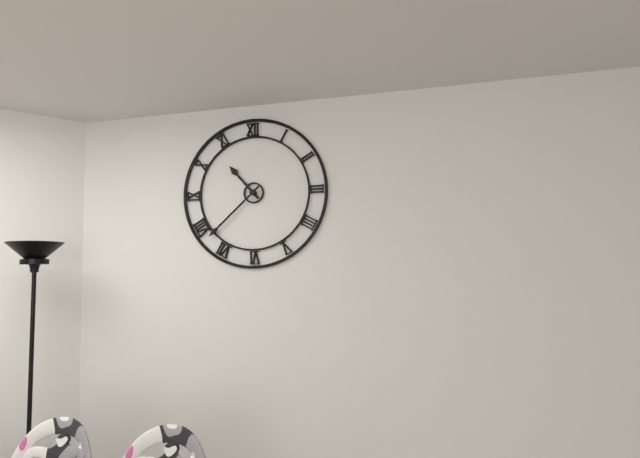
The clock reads 10h38
